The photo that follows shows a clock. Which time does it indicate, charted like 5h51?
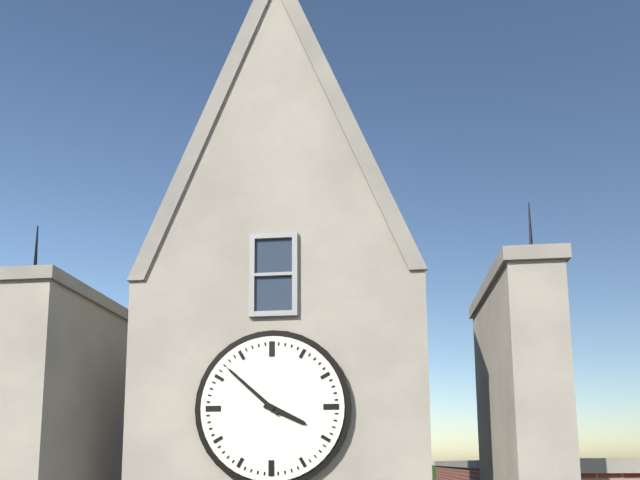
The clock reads 3h52
